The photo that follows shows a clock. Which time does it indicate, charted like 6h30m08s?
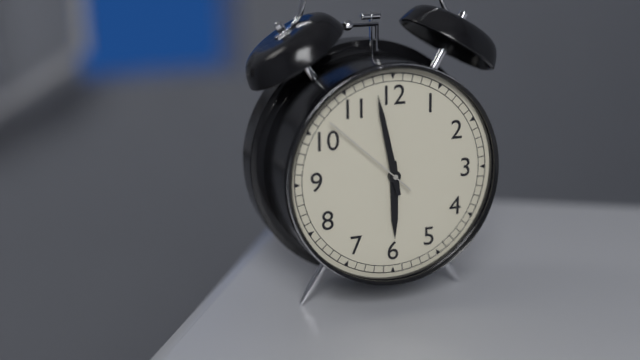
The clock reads 5h58m52s
